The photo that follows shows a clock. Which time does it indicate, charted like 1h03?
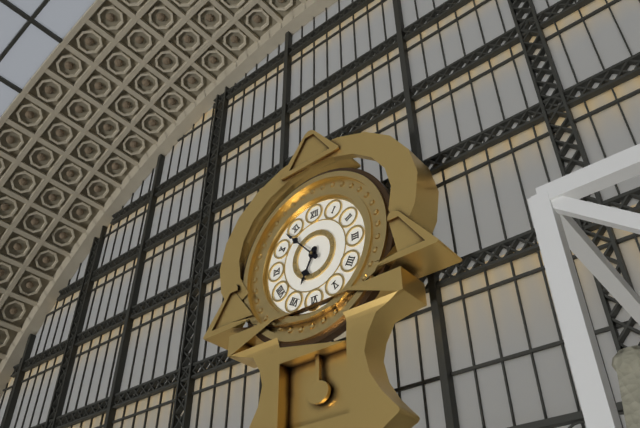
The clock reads 6h53
